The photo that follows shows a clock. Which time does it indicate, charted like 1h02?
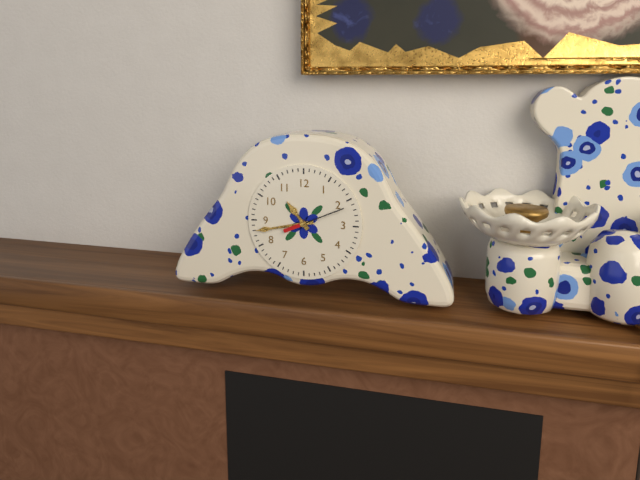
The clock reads 10h43
